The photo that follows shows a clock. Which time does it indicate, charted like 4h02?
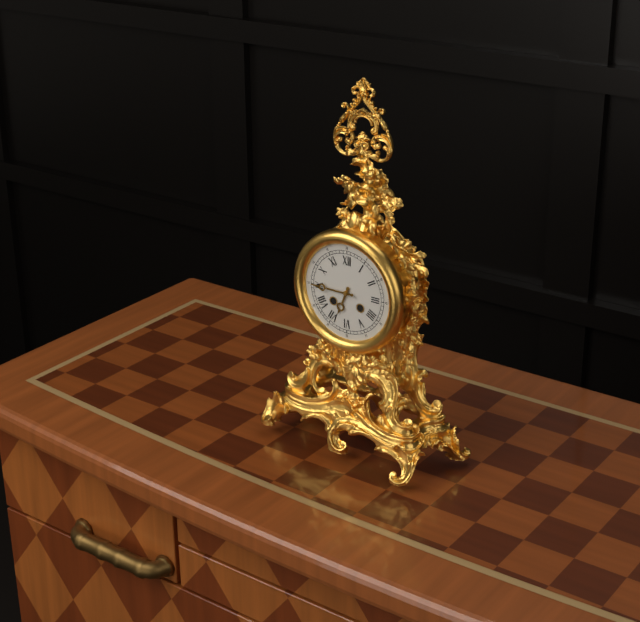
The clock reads 6h45
